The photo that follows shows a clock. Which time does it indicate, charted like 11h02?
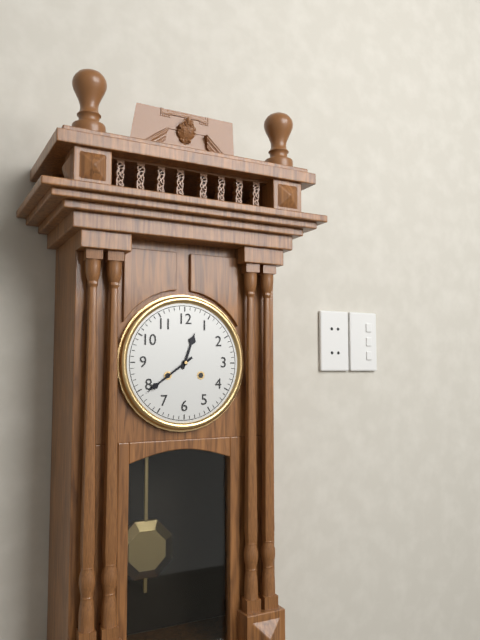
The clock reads 12h39
